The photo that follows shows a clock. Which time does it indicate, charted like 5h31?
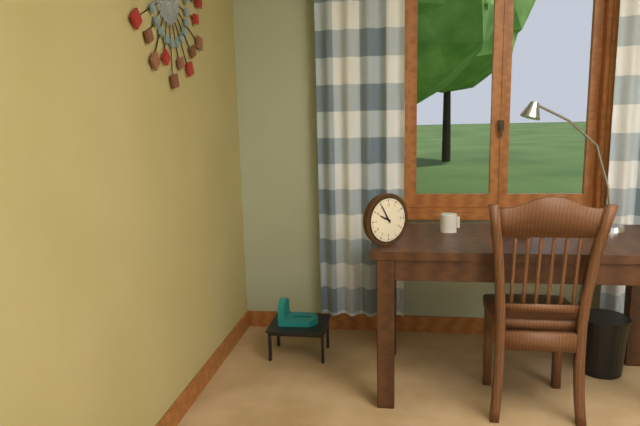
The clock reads 9h55
